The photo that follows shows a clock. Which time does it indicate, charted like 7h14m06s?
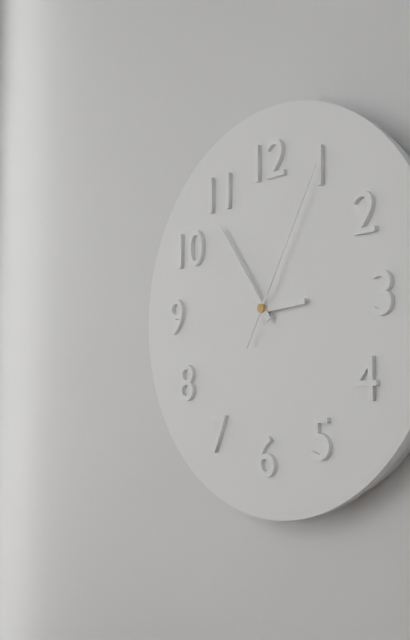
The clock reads 2h54m05s
